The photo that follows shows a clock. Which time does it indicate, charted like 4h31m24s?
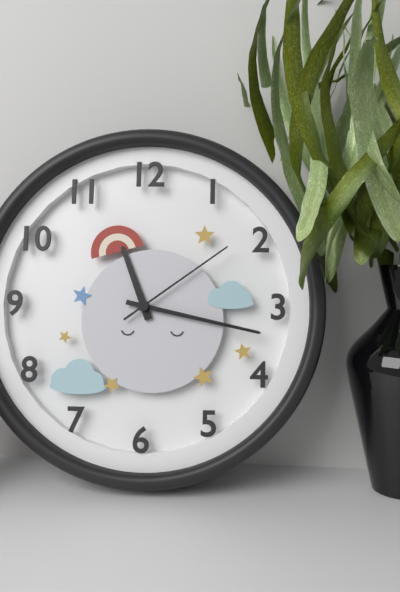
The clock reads 11h17m09s
